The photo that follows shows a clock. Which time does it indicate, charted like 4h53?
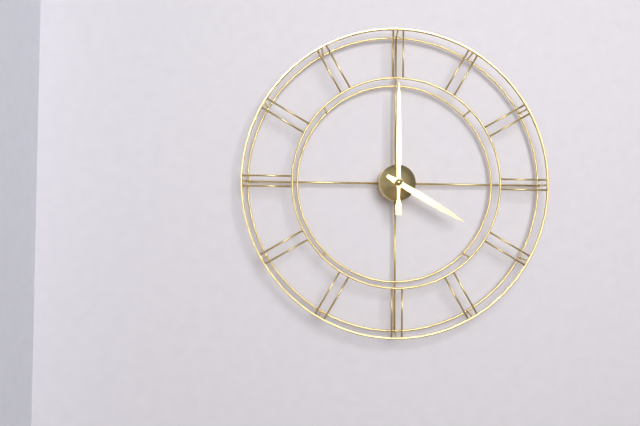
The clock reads 4h00
